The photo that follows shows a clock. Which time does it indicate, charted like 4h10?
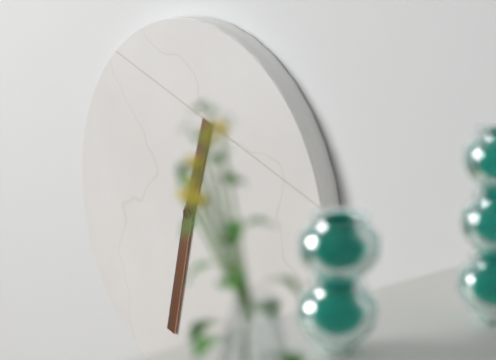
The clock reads 12h32
